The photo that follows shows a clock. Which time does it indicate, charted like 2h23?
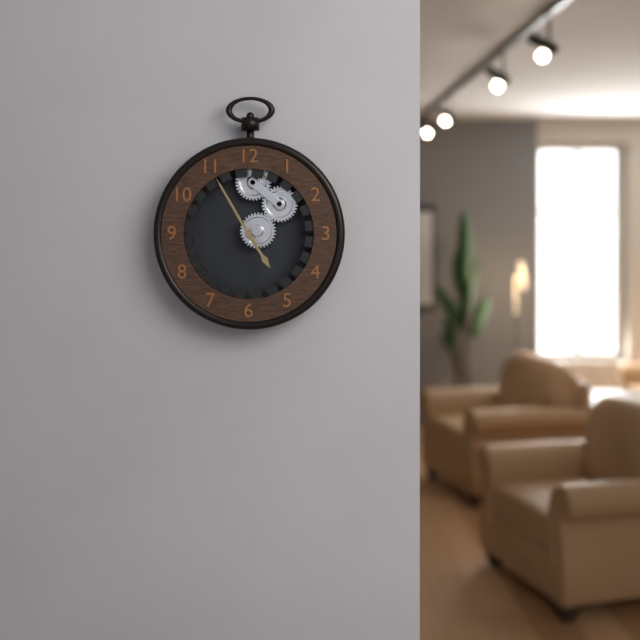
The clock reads 4h55
